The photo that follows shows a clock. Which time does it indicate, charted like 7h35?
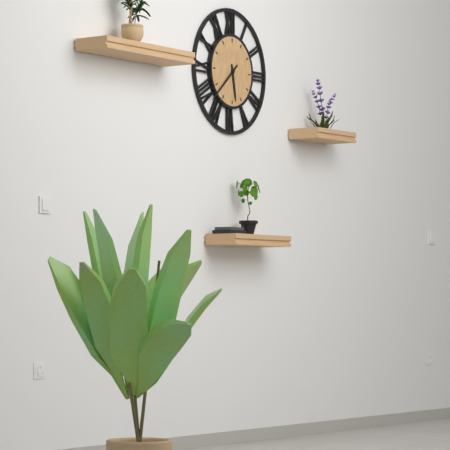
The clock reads 5h38
